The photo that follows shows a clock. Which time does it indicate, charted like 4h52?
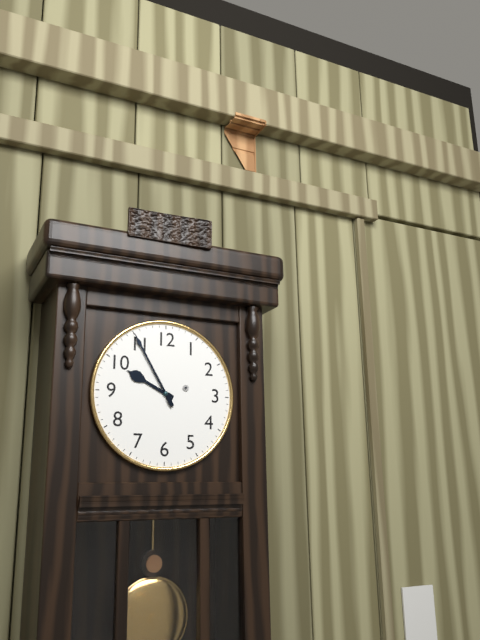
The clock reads 9h55
